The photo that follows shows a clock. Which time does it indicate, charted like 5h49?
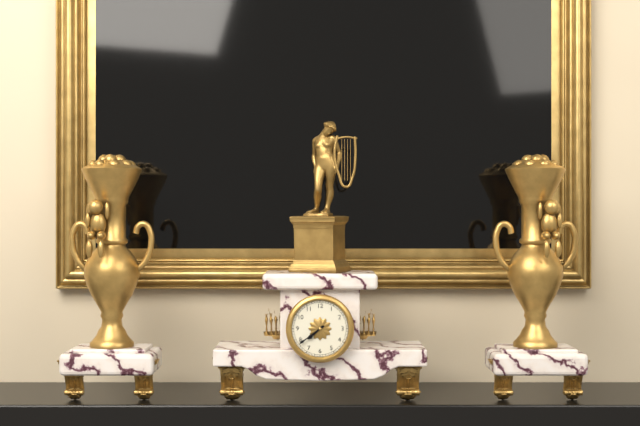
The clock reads 7h39
